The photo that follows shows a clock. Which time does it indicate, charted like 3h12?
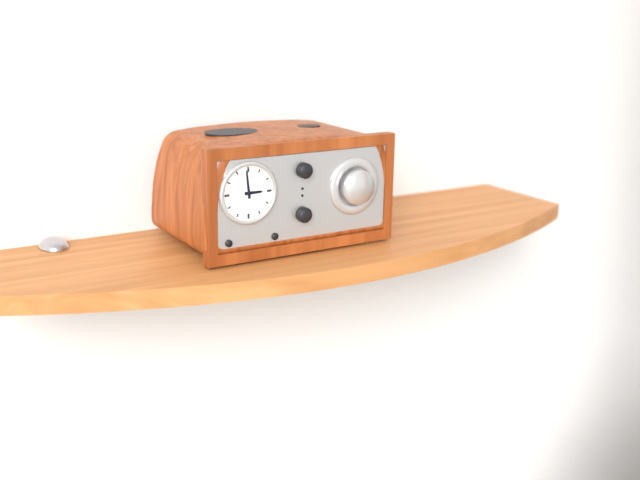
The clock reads 2h59
